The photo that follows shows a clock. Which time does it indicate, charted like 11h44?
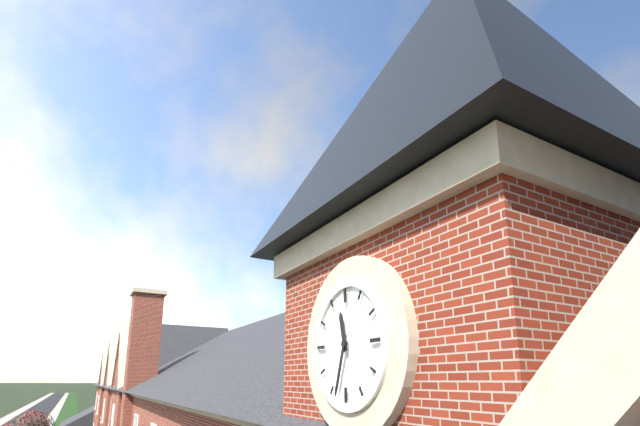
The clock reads 11h33
